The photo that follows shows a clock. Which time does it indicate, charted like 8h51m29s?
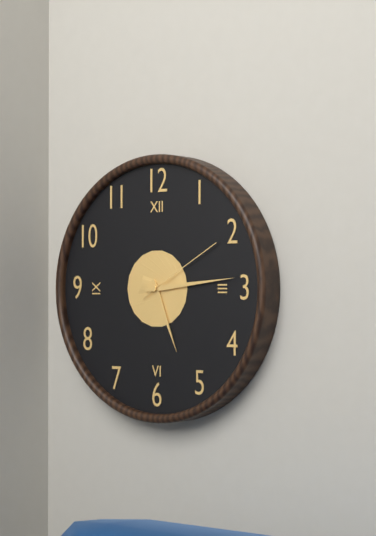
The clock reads 5h14m10s
